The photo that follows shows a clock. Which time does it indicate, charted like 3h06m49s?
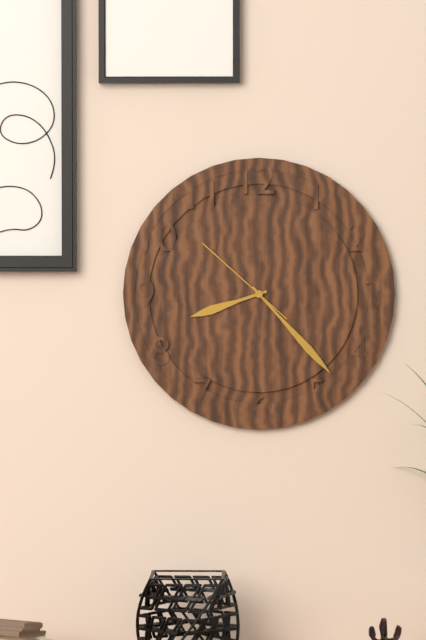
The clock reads 8h23m52s
